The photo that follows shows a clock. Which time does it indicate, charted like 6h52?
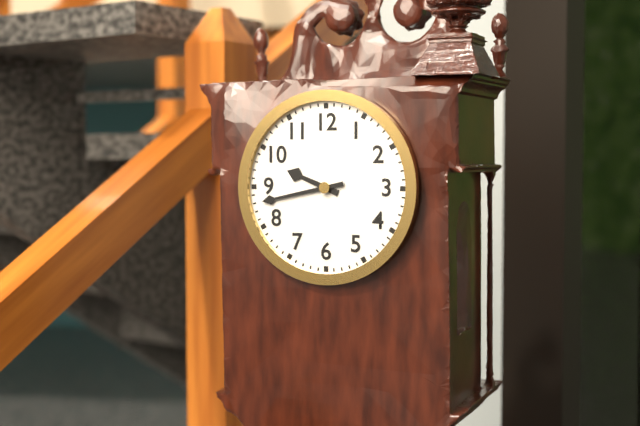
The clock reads 9h43
